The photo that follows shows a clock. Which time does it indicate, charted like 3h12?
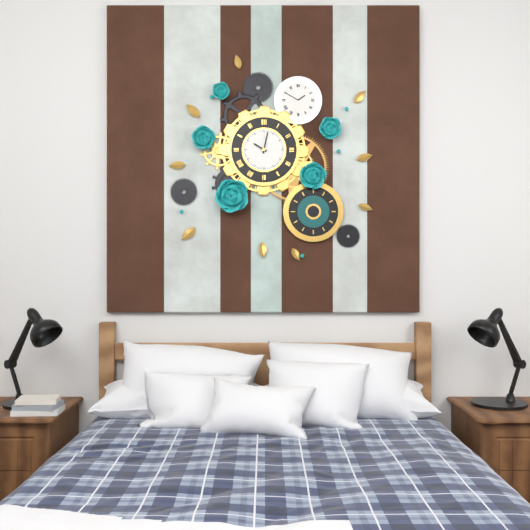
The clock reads 10h02
